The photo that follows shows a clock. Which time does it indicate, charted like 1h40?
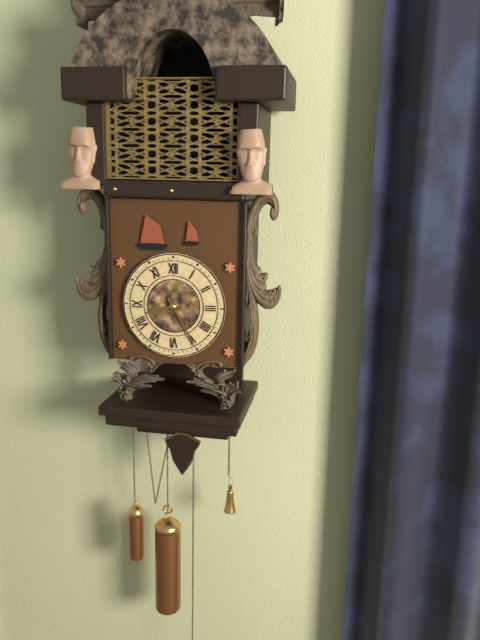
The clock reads 8h25
